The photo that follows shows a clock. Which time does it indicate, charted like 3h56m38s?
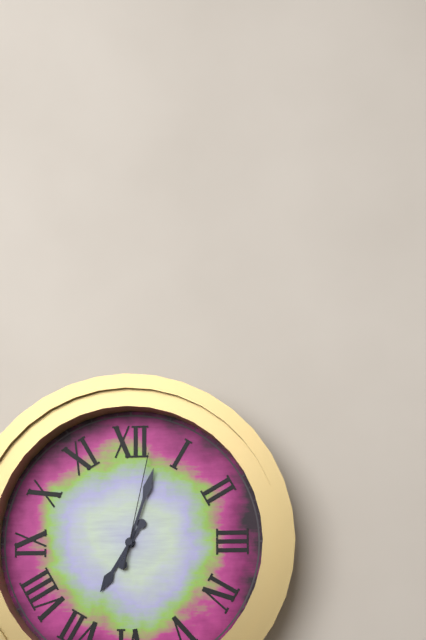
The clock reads 7h03m02s
